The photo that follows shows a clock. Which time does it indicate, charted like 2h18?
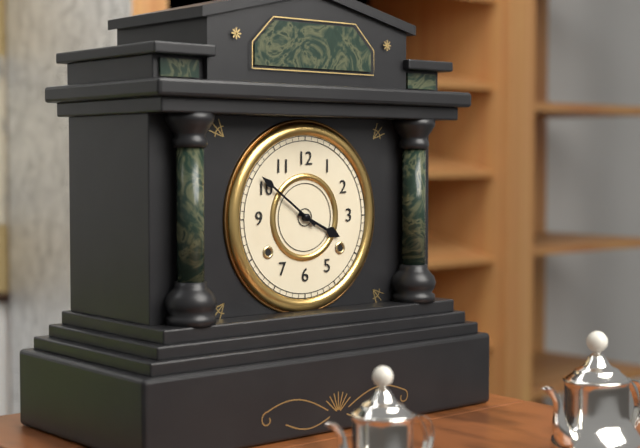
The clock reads 3h51
